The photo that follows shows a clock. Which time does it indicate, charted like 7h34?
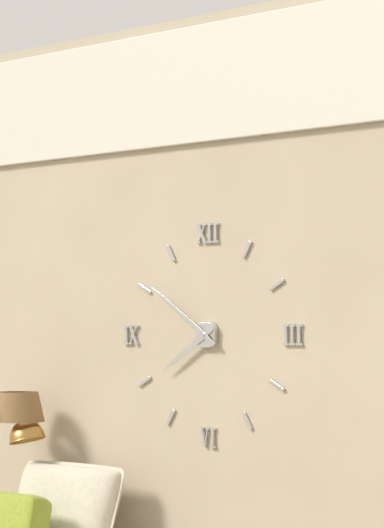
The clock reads 7h51
